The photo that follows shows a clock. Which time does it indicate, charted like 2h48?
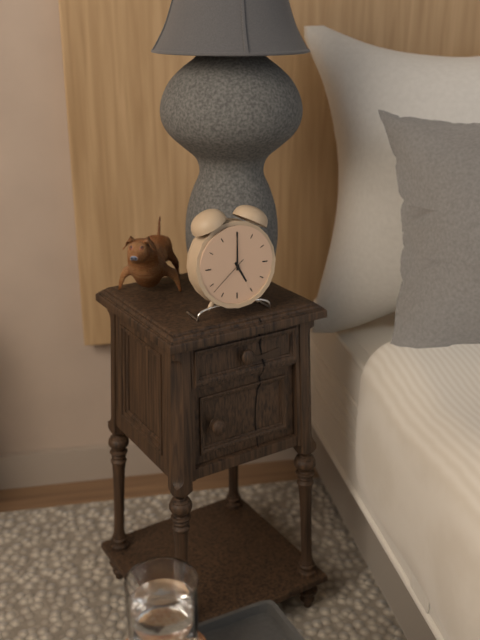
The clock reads 5h00
